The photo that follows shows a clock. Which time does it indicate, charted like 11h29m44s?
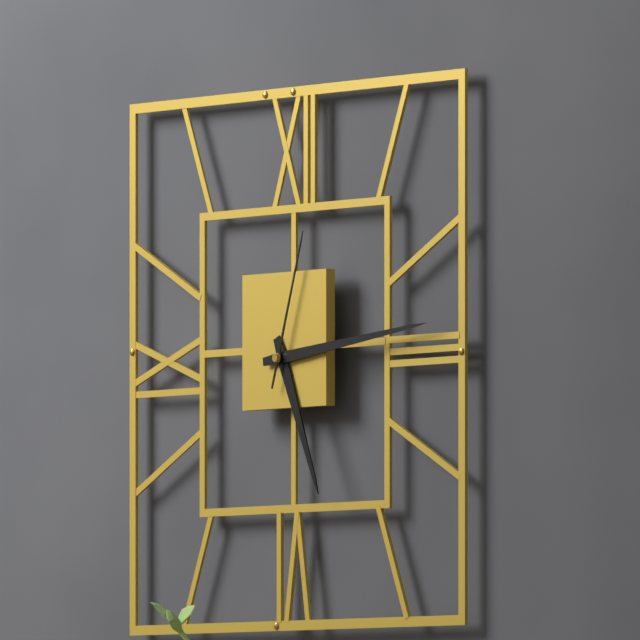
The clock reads 5h14m03s
